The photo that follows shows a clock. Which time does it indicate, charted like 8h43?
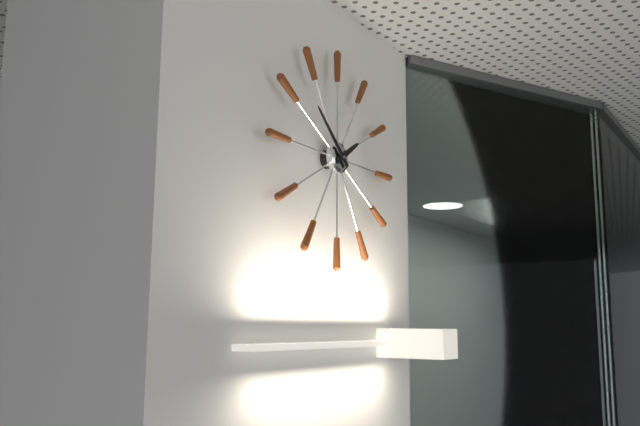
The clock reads 1h52
